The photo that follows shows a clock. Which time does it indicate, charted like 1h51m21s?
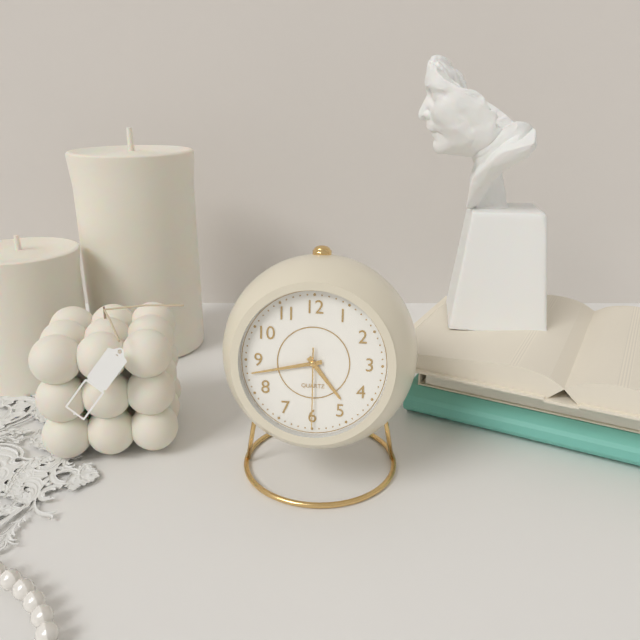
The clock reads 4h43m30s
